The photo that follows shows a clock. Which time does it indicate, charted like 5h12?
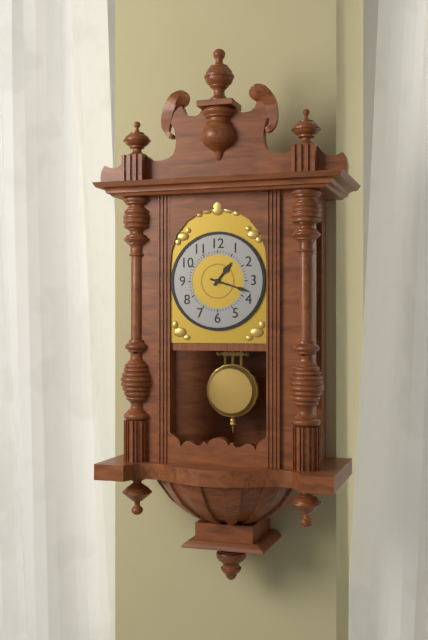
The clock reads 1h18
